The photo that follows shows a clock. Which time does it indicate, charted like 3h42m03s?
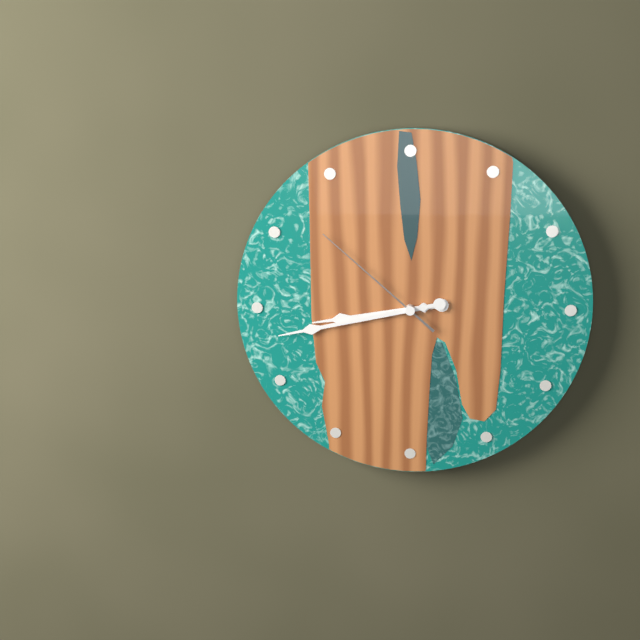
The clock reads 8h43m52s
